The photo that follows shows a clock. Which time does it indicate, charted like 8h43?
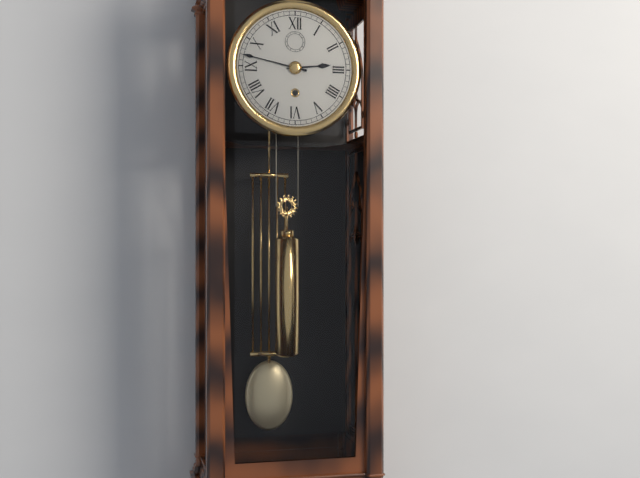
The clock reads 2h47
